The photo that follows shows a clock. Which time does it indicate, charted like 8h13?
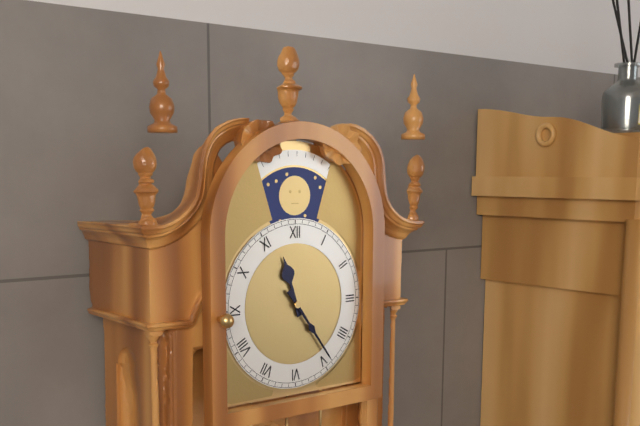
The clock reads 11h24
